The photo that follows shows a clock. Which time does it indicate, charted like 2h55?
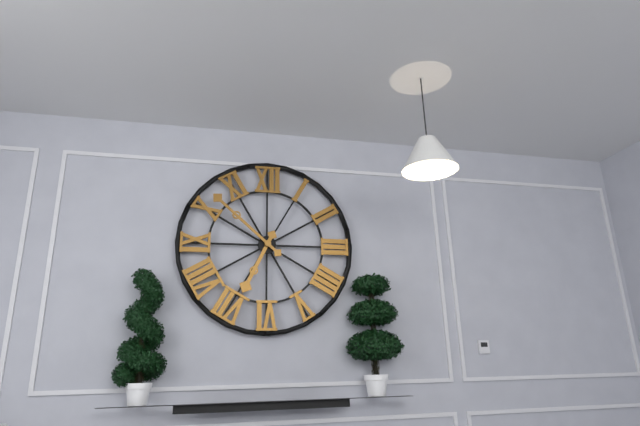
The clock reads 6h52
